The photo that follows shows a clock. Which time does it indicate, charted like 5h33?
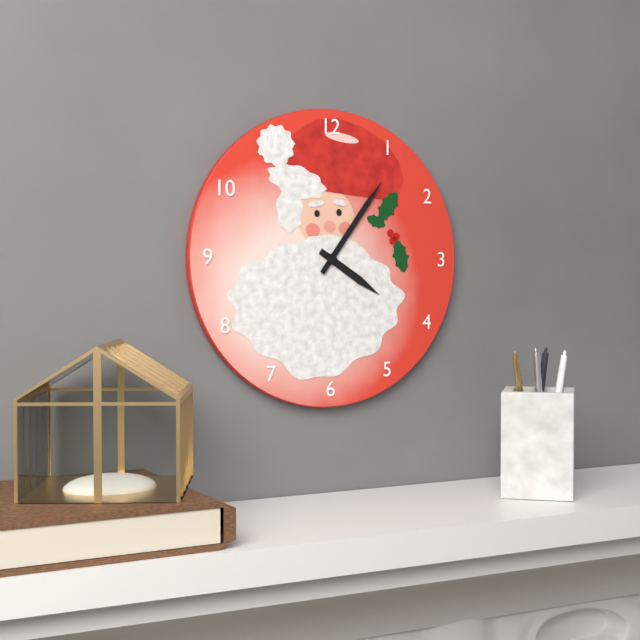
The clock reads 4h06
